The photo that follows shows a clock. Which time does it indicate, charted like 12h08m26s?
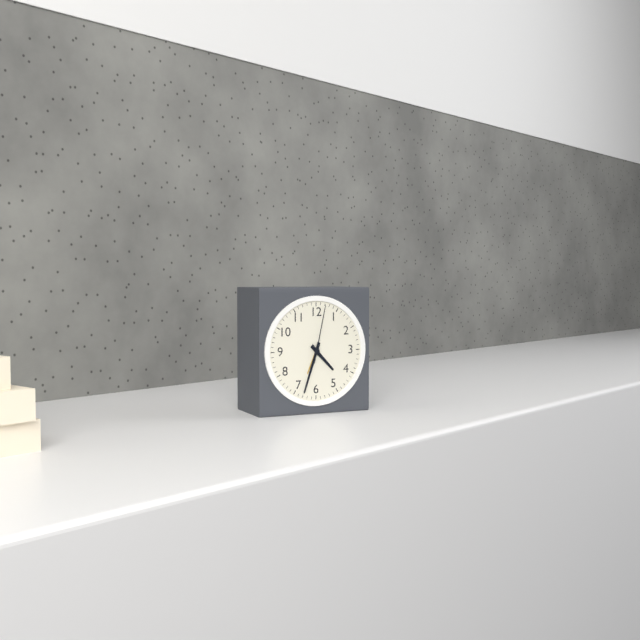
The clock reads 4h33m02s
